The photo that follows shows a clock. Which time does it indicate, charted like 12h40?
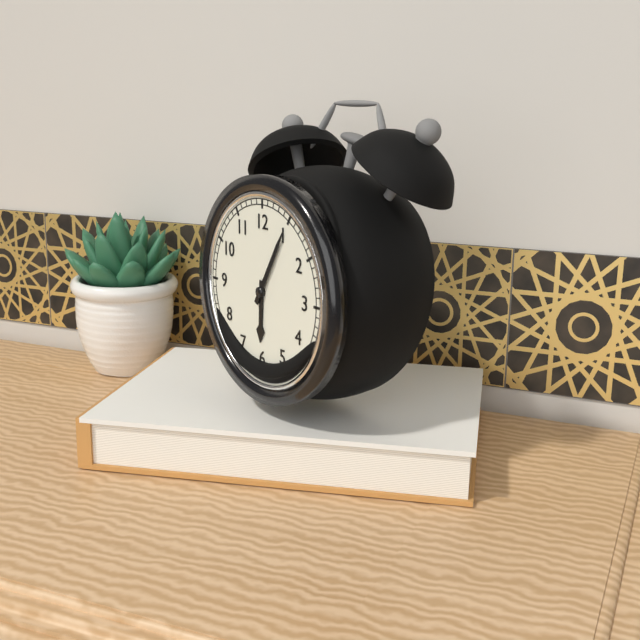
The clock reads 6h05
